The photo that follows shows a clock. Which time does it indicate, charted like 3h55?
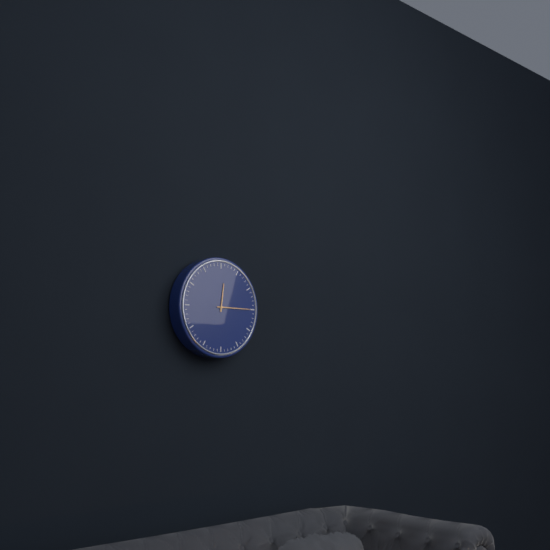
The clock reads 12h15
